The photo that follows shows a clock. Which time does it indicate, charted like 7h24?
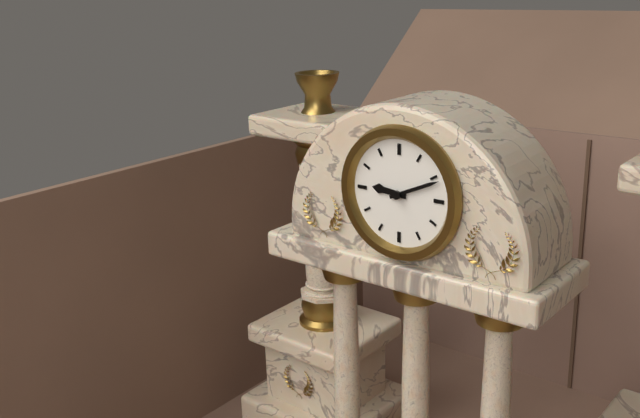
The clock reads 9h11
